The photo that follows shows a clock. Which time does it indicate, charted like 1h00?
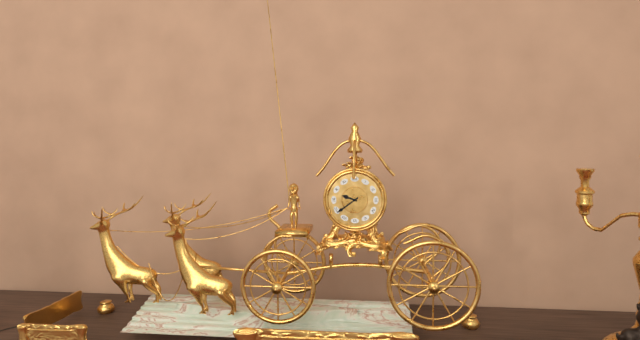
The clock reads 9h39
